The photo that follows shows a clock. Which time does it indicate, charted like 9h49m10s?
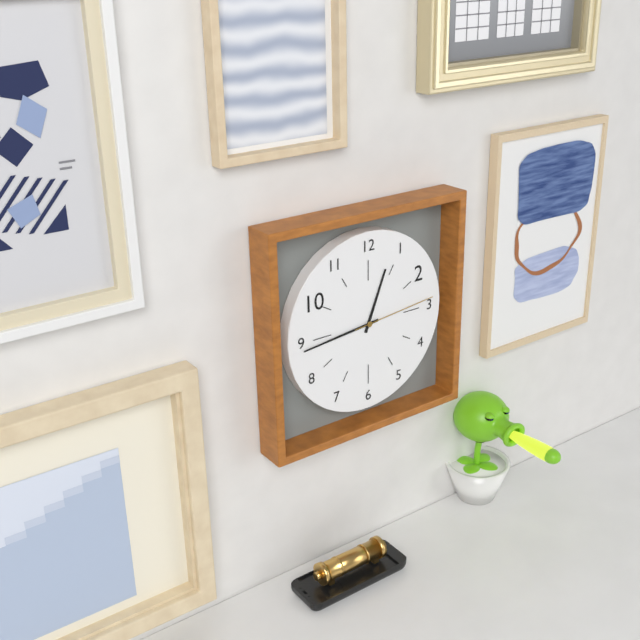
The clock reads 12h44m14s
